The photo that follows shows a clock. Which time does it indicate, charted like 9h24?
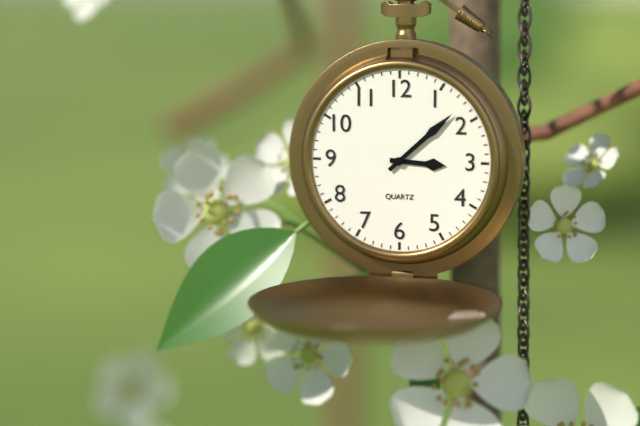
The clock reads 3h08
